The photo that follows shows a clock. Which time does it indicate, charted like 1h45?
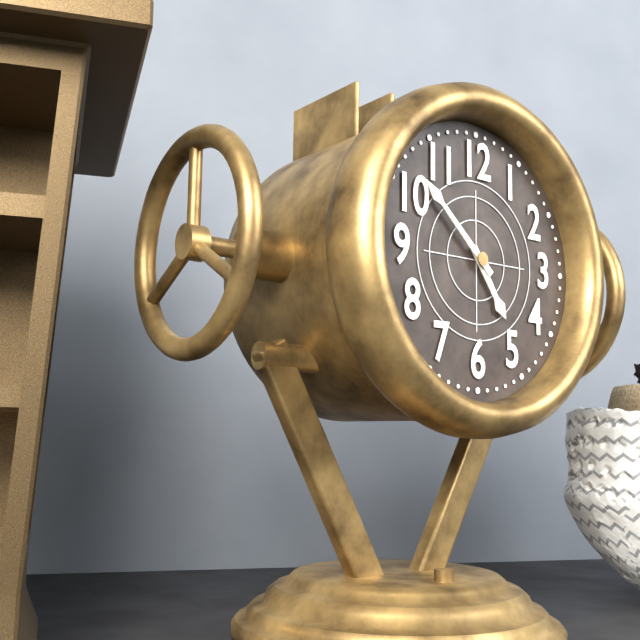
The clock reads 4h52
